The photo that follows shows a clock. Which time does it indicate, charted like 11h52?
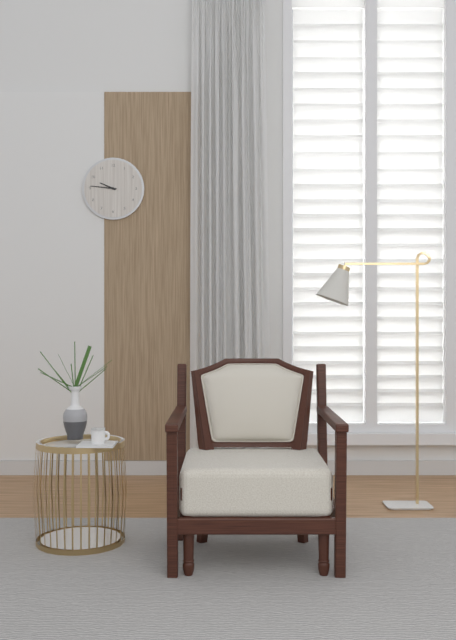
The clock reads 9h46
